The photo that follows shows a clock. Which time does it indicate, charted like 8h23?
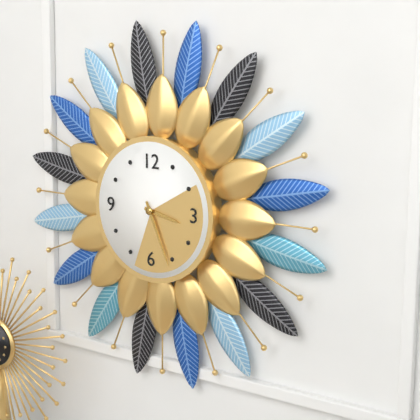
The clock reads 3h26
